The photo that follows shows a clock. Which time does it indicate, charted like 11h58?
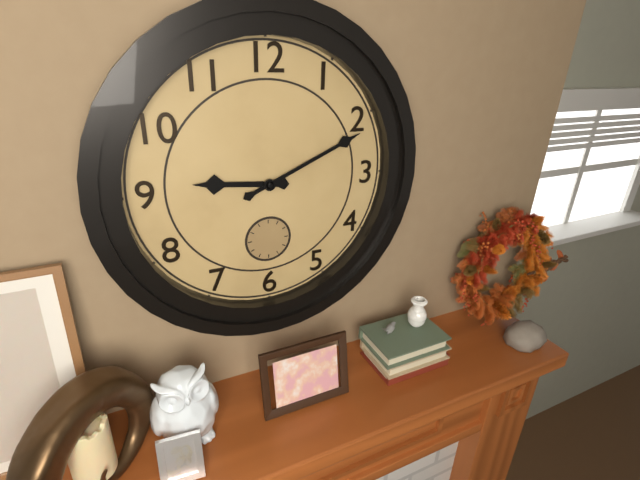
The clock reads 9h11
